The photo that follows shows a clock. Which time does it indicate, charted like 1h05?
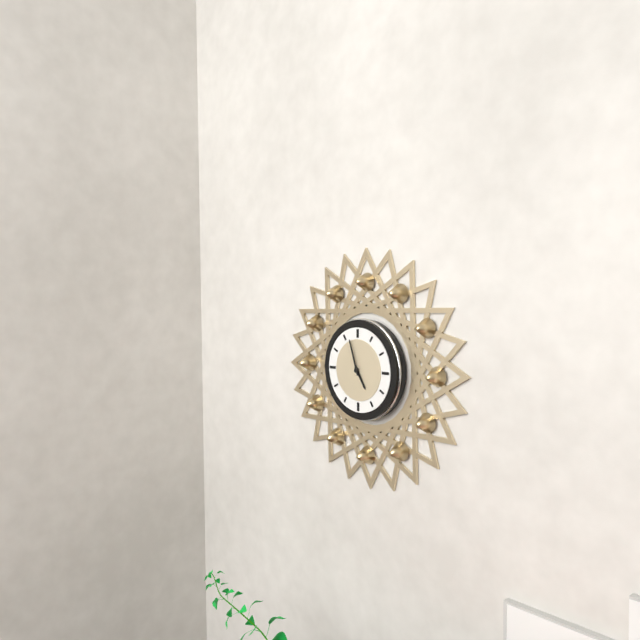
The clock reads 4h57
